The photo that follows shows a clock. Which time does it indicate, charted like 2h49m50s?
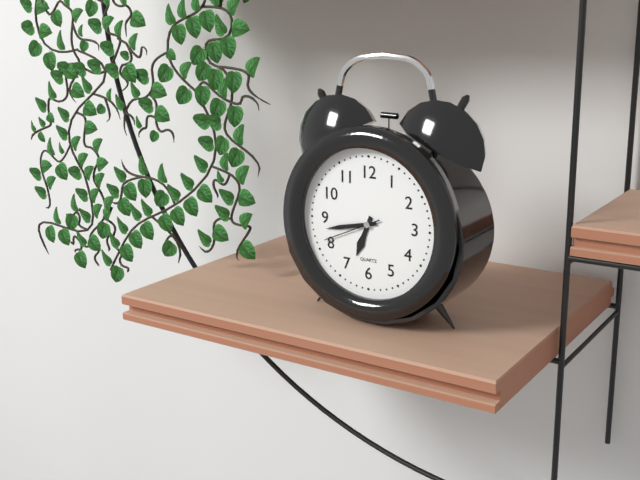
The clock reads 6h43m41s
